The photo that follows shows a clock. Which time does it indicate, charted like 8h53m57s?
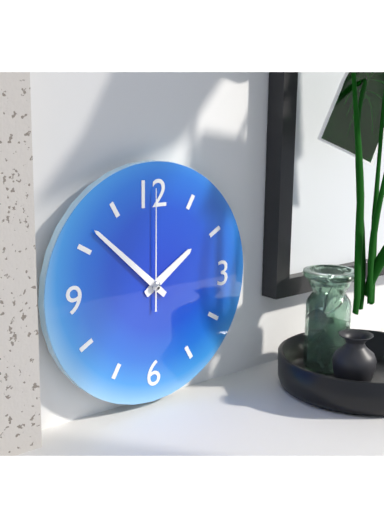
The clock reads 1h52m00s
